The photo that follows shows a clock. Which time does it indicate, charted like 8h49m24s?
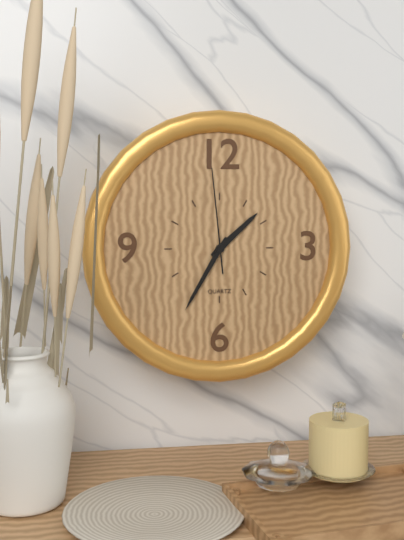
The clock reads 1h35m59s
